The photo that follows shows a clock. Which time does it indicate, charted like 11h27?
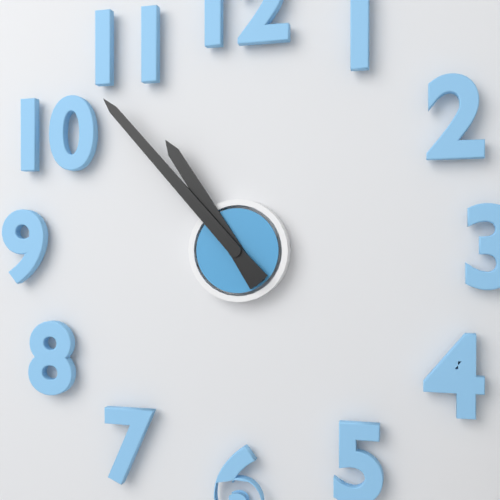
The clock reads 10h53
